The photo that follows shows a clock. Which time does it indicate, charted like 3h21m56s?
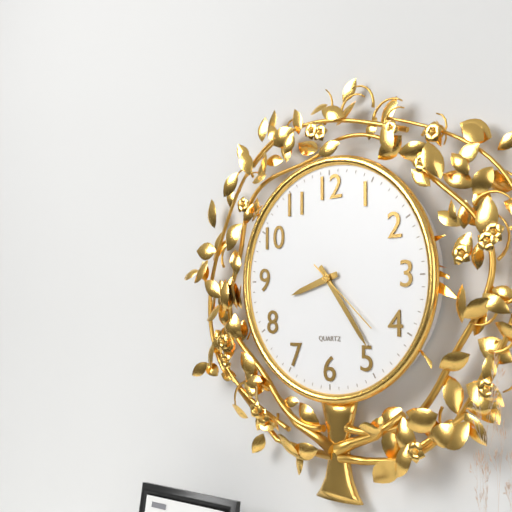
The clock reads 8h24m22s
